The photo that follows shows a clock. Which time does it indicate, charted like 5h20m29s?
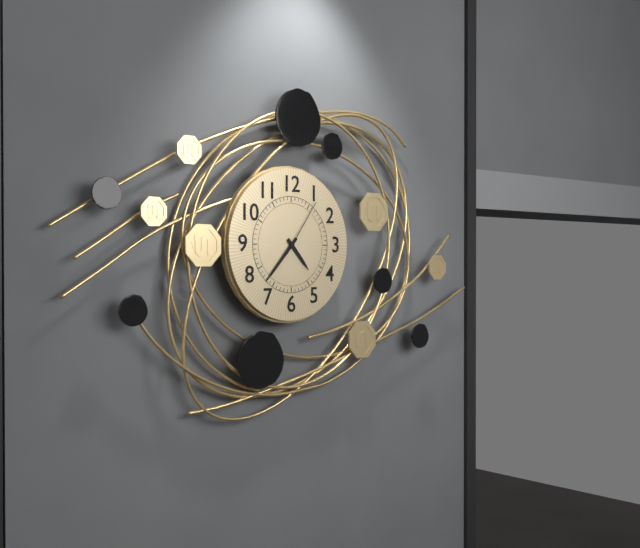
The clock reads 4h37m06s
